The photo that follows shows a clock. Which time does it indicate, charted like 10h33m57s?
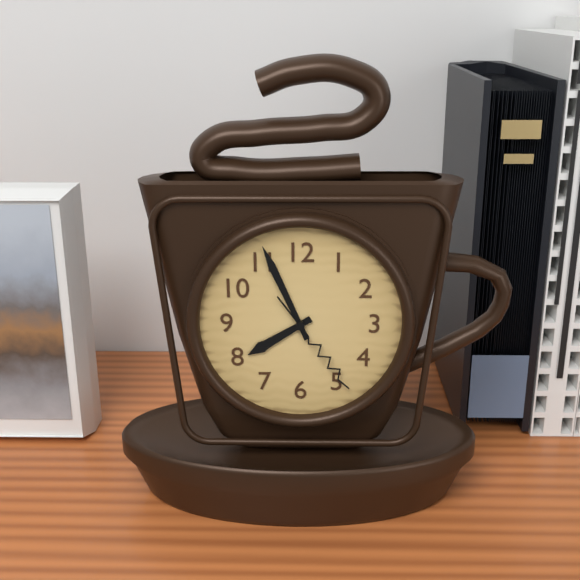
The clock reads 7h56m24s
